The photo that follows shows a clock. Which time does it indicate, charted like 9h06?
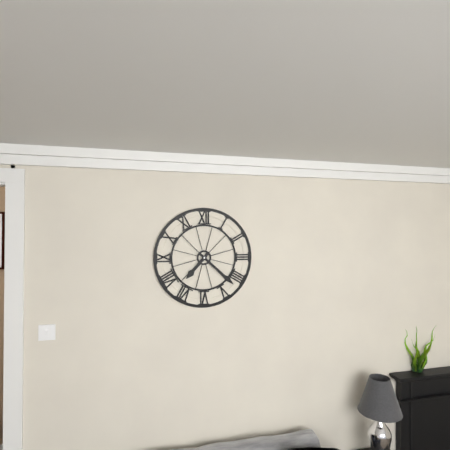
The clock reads 7h22
